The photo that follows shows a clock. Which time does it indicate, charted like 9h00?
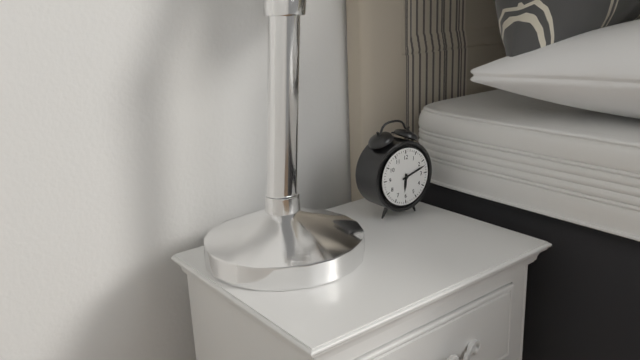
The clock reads 6h12
